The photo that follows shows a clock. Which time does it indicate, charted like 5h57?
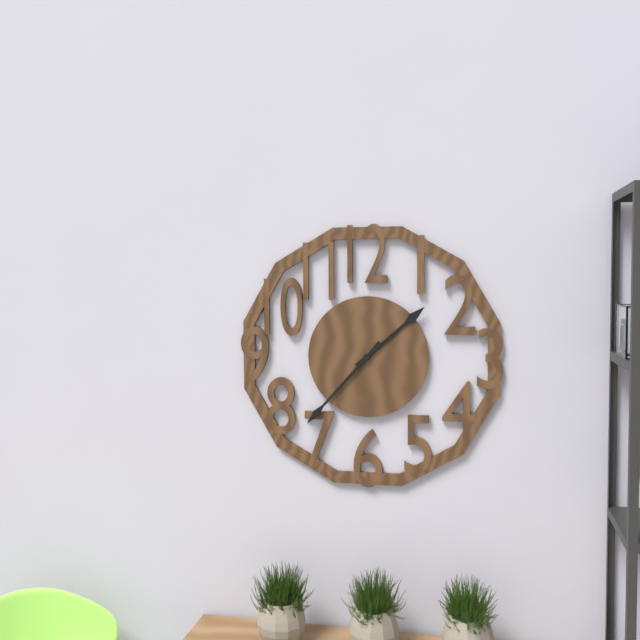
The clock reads 1h37
